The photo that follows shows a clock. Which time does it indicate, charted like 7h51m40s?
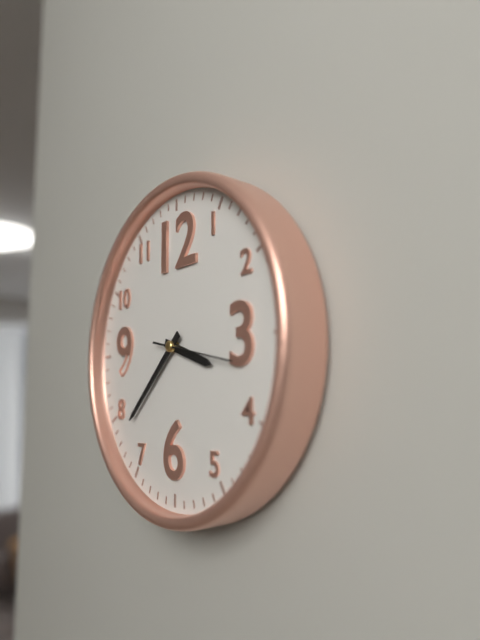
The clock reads 3h38m17s
